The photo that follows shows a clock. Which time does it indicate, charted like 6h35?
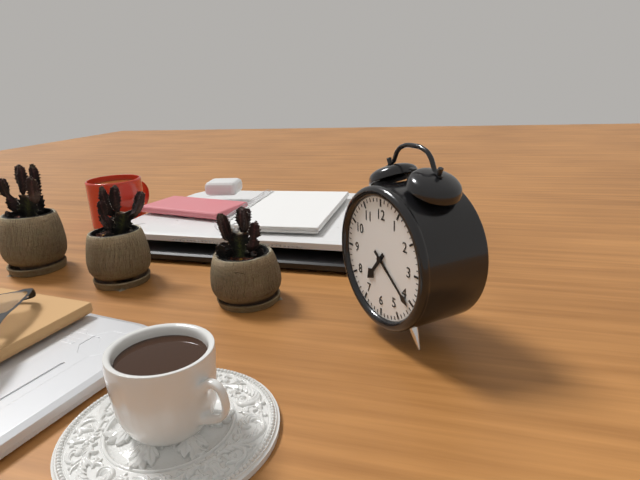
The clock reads 7h21
